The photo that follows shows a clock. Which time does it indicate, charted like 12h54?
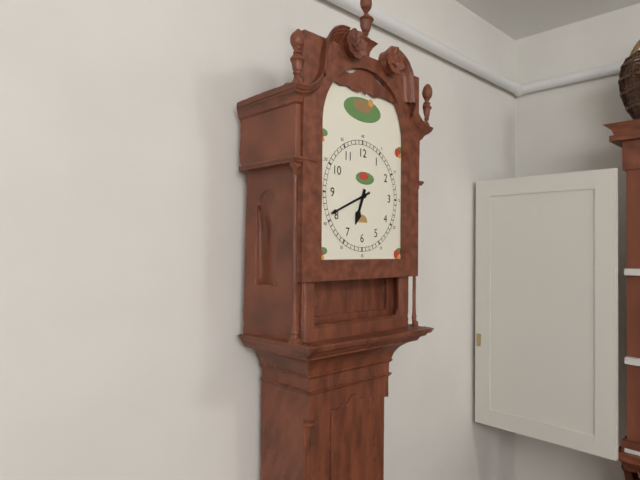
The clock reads 6h41
